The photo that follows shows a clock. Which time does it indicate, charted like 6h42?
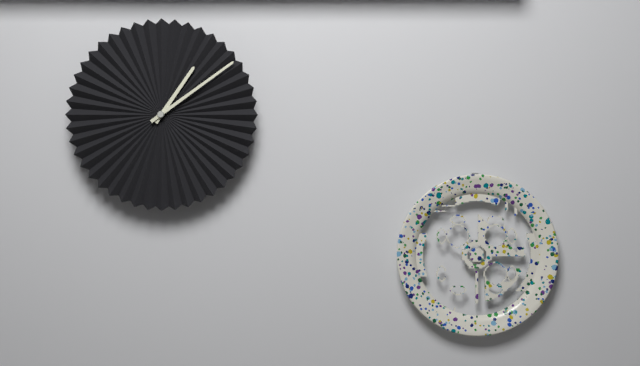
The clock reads 1h09
